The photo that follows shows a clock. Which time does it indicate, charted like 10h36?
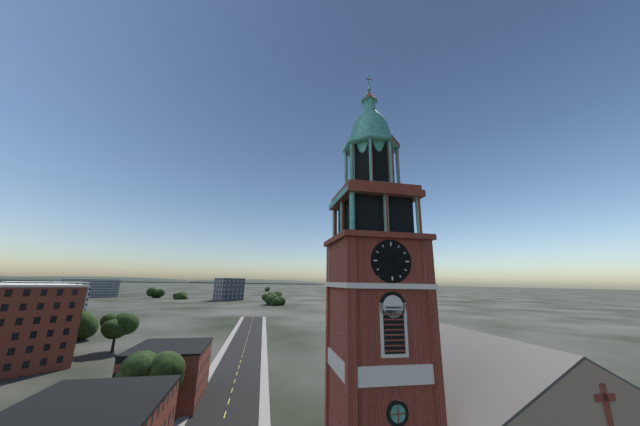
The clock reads 1h19
